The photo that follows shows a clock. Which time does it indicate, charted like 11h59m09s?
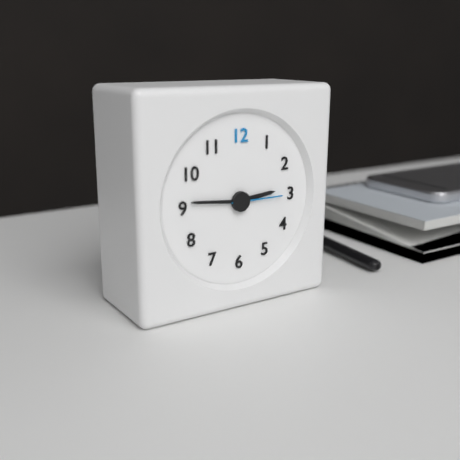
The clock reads 2h46m15s
